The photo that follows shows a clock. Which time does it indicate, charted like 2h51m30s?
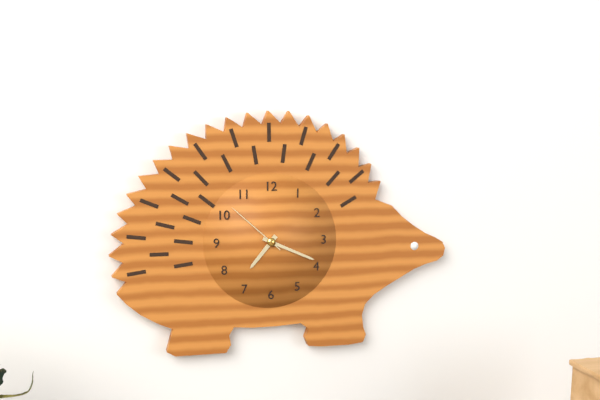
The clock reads 7h19m52s
